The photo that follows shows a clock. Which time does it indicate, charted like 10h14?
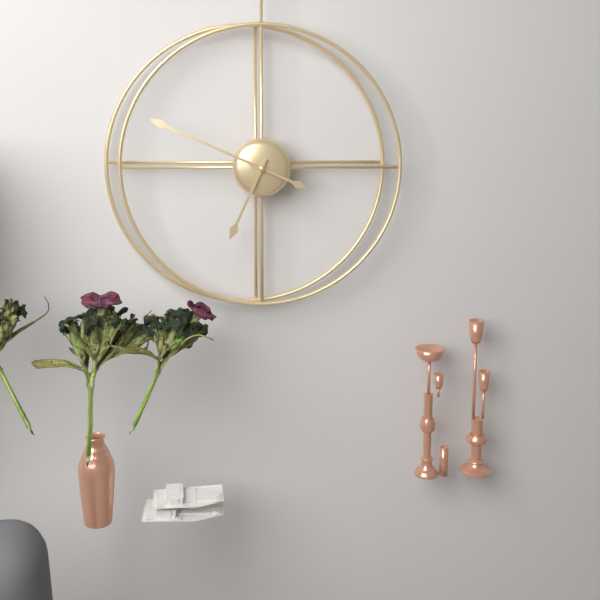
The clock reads 6h49
